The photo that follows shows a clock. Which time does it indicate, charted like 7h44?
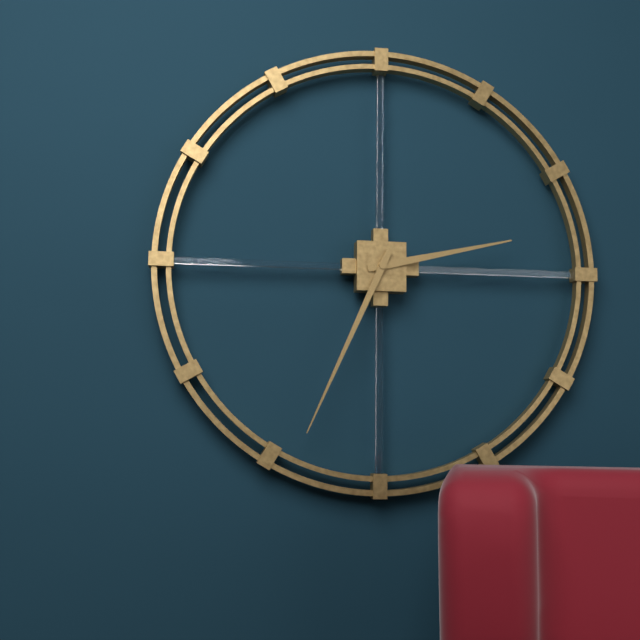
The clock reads 2h34
